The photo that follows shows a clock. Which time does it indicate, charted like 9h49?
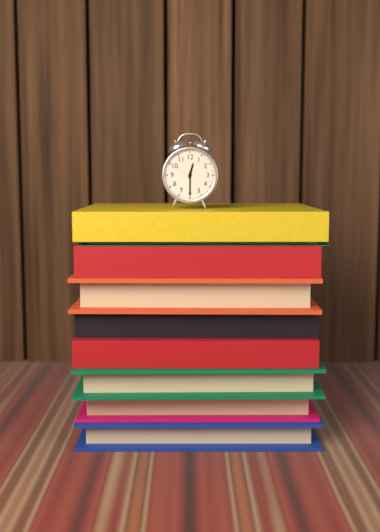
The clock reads 12h30
